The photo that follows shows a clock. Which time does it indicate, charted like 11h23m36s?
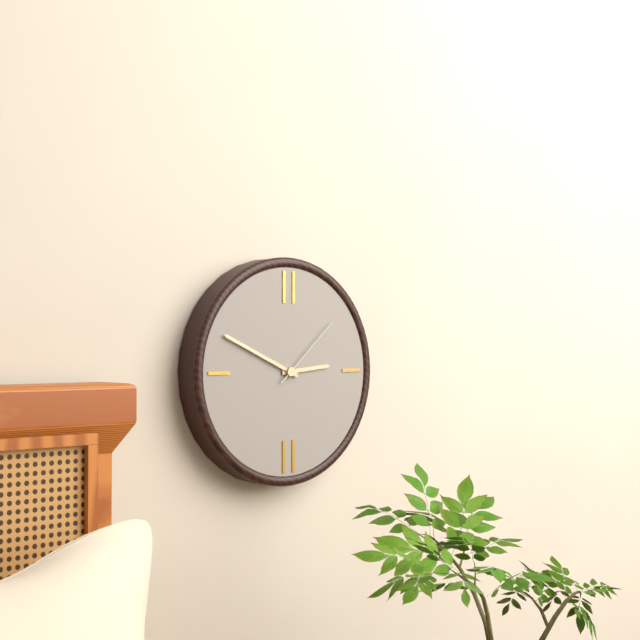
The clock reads 2h49m08s
